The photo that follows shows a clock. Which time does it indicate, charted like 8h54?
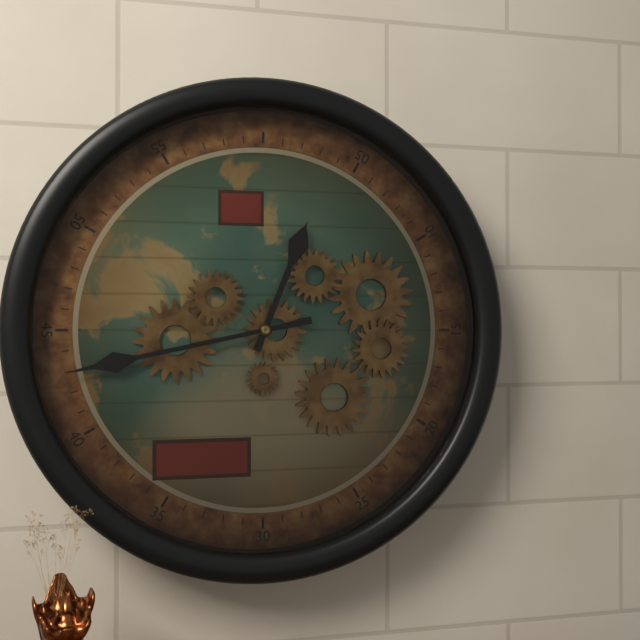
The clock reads 12h43
